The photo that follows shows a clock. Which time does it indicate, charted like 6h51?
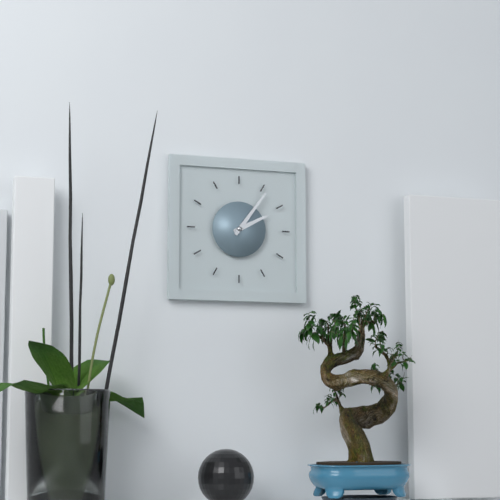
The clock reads 2h06
